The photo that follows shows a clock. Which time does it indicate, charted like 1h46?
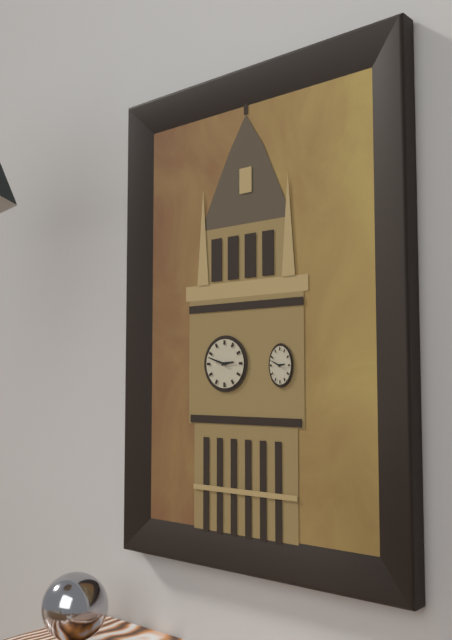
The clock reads 2h48
